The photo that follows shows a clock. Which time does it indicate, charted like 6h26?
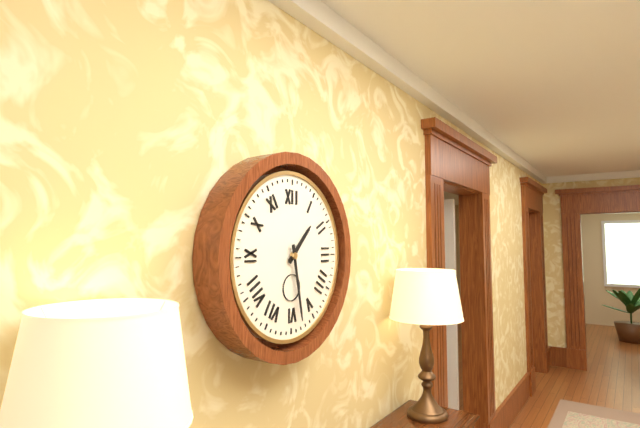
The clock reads 1h28
